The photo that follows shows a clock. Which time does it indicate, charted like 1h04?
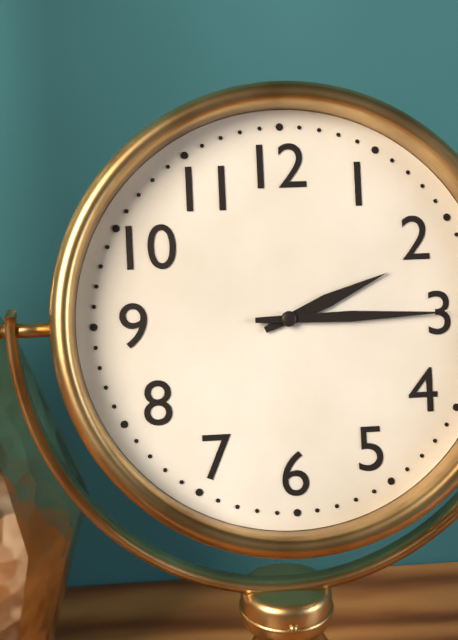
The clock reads 2h15
